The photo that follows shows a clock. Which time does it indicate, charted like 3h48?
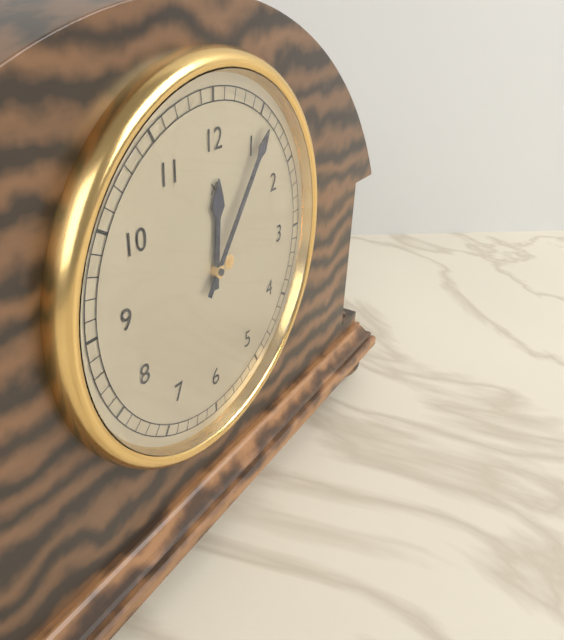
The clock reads 12h06
